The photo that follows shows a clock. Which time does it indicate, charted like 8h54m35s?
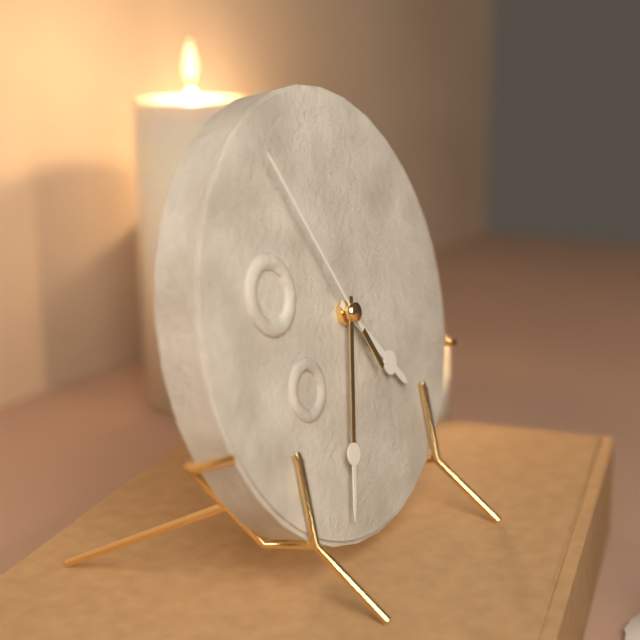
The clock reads 4h33m55s
